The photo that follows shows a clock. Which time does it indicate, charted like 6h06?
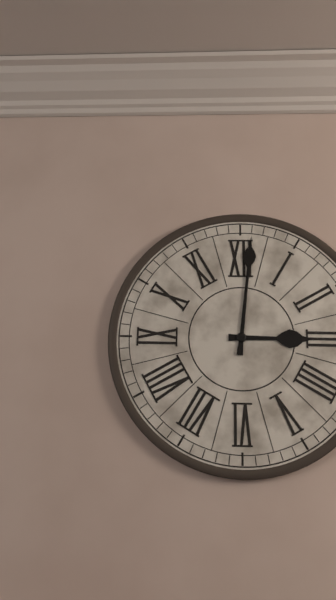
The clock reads 3h01
